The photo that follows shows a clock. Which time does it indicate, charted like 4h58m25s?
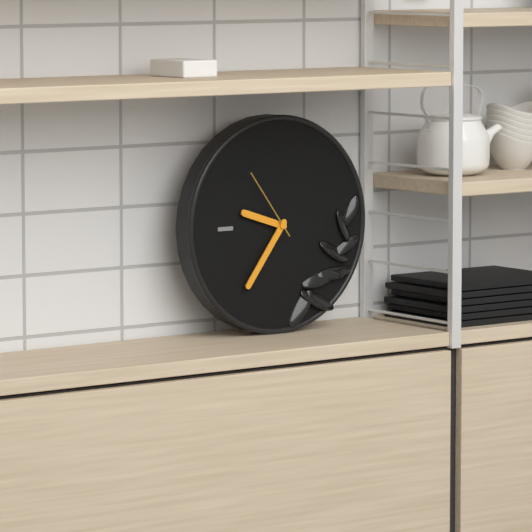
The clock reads 9h36m54s
